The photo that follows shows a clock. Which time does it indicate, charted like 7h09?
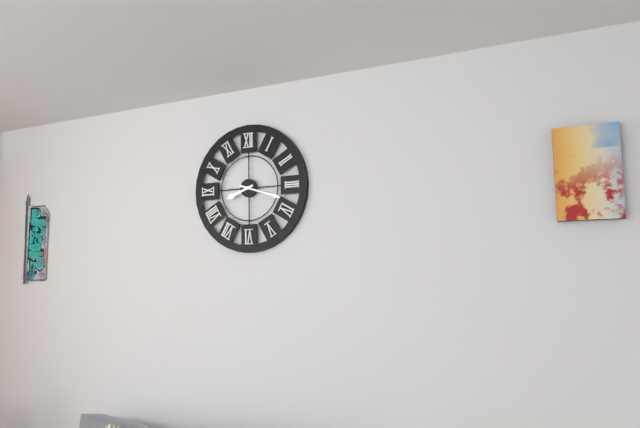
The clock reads 8h18
